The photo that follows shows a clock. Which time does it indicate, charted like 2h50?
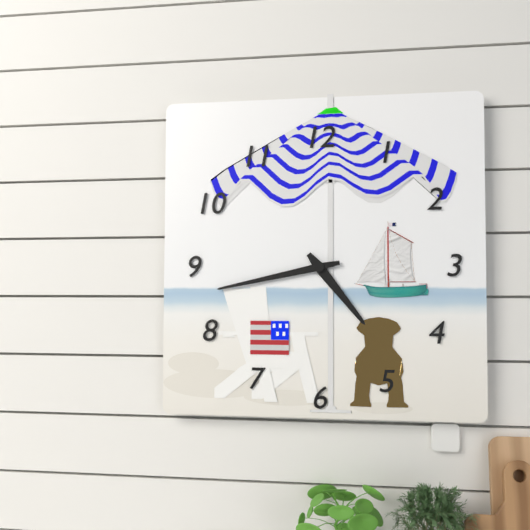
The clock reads 4h43
